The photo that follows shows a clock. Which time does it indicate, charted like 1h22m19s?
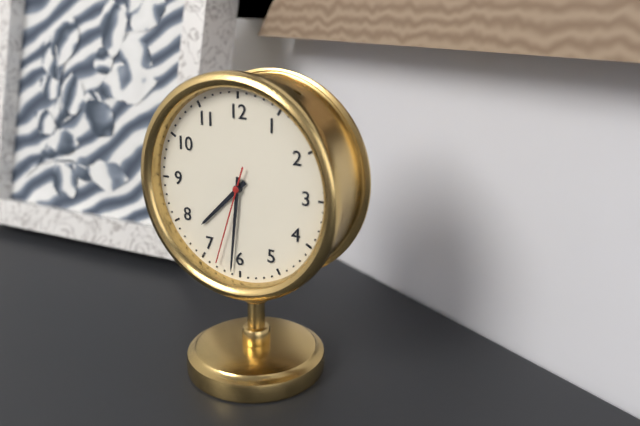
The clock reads 7h31m33s
